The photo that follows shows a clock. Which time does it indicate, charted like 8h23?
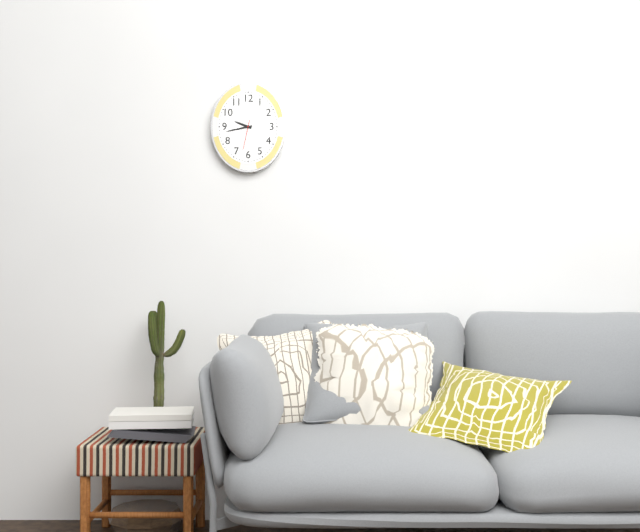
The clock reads 9h43
